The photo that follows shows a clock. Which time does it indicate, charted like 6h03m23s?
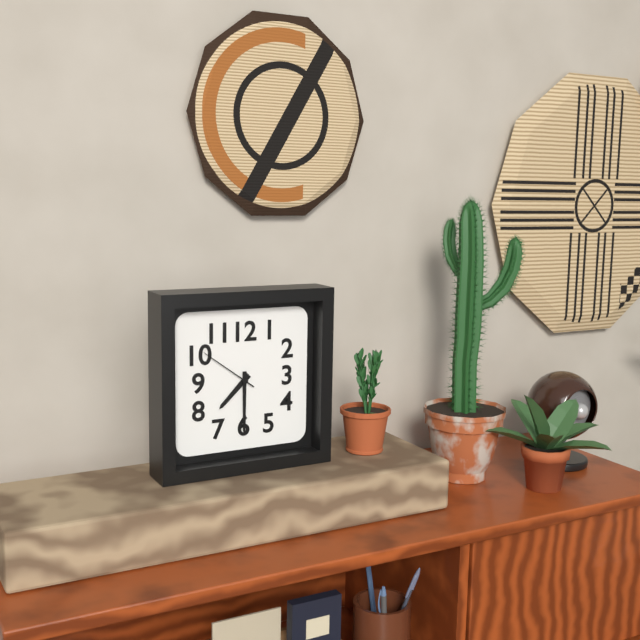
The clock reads 7h30m51s
